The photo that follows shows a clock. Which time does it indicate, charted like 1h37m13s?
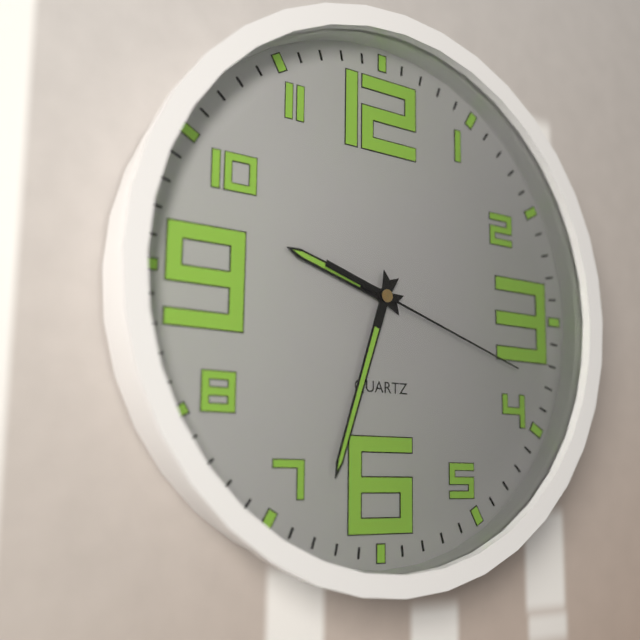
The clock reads 9h33m18s
